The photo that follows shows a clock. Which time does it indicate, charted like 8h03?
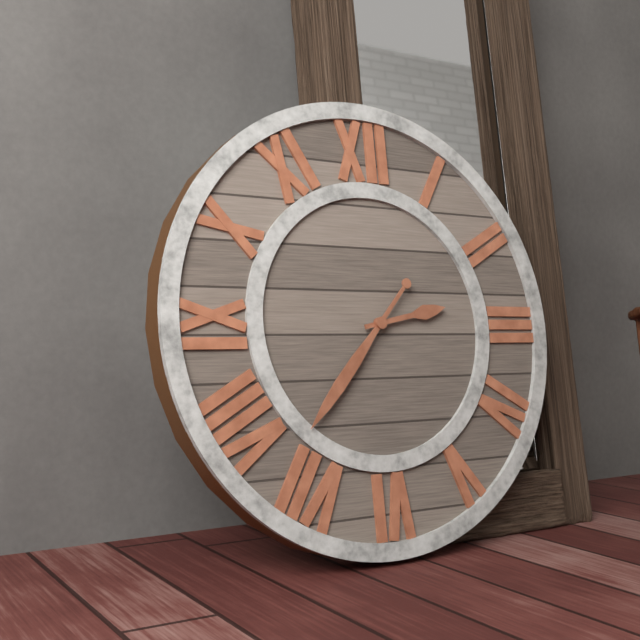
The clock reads 2h37
